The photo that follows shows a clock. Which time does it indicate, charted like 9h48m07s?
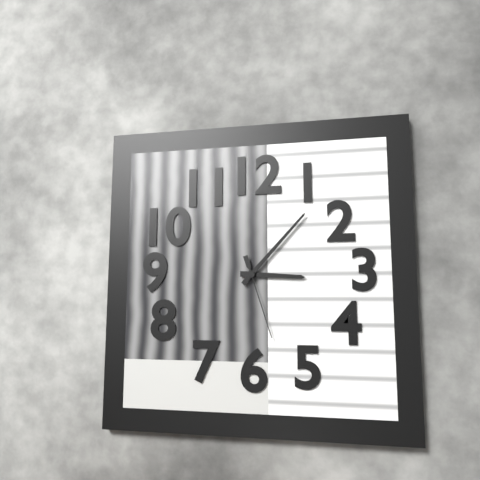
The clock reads 3h07m27s
